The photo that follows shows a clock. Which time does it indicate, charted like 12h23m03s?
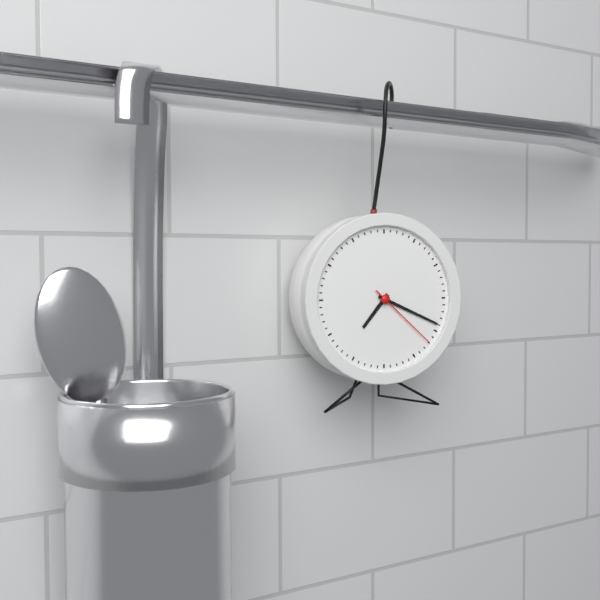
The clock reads 7h19m22s
